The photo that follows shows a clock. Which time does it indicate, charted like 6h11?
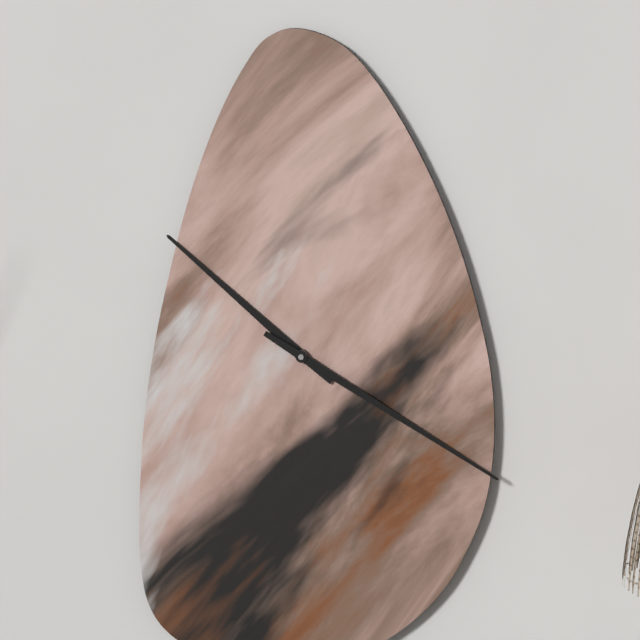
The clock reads 10h20
